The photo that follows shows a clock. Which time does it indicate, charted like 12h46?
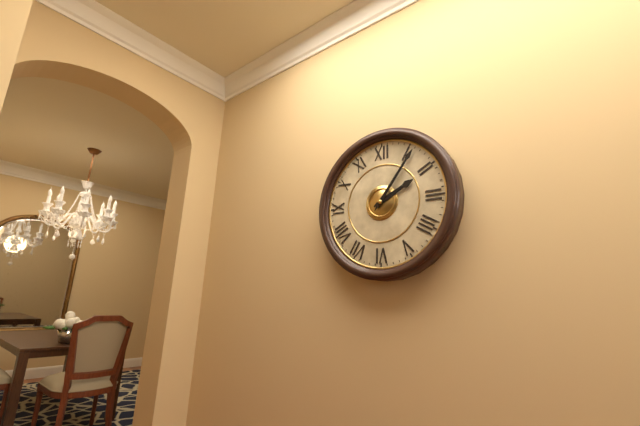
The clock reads 2h06
